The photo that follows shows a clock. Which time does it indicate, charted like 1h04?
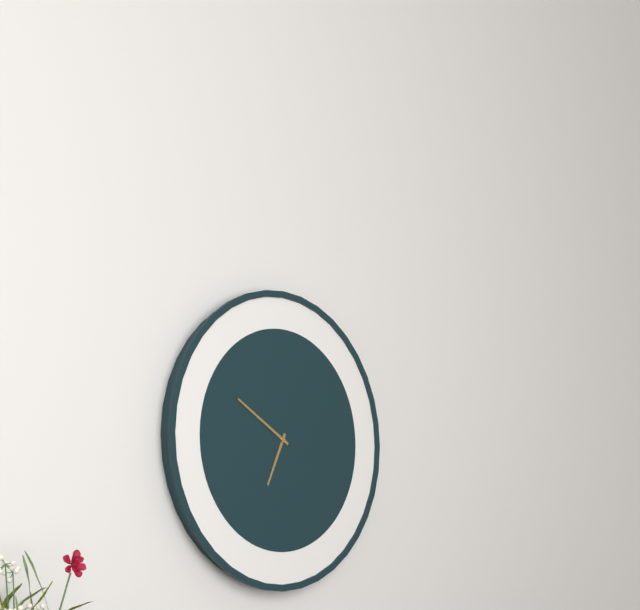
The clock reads 6h50
